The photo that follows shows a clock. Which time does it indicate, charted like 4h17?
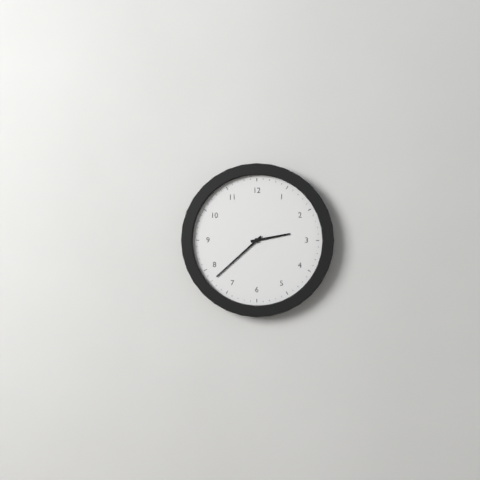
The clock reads 2h38
